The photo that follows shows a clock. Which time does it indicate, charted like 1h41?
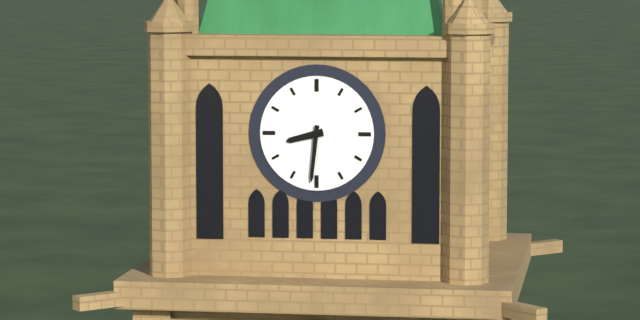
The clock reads 8h31
